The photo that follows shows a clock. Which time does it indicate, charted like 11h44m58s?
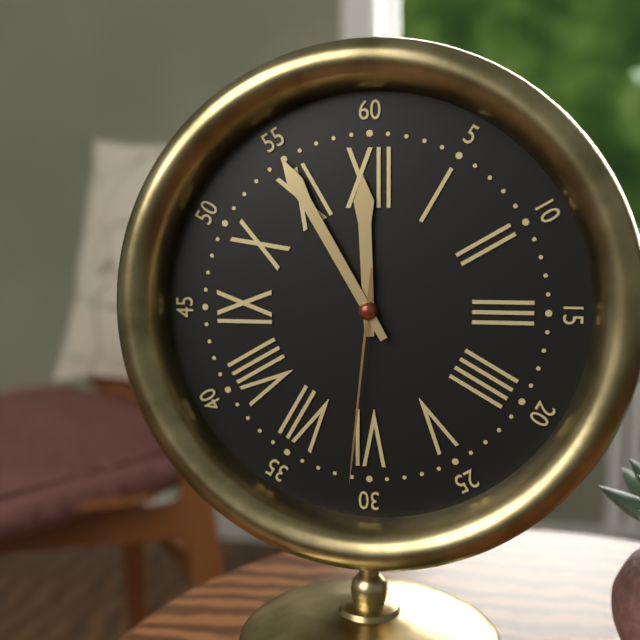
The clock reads 11h55m31s
